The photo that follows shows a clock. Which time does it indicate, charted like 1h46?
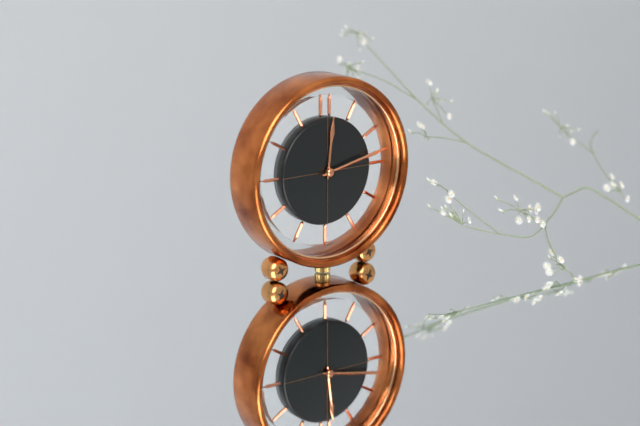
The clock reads 12h13
